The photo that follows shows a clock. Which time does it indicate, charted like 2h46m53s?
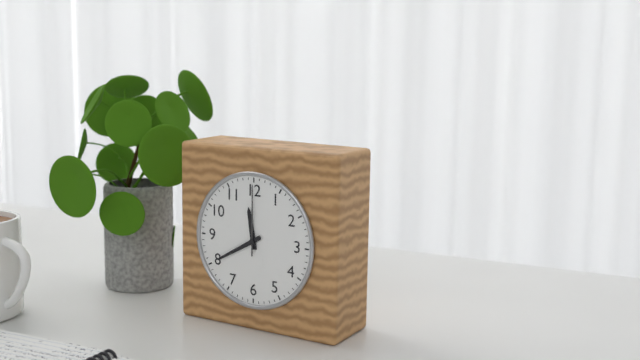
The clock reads 11h40m00s
